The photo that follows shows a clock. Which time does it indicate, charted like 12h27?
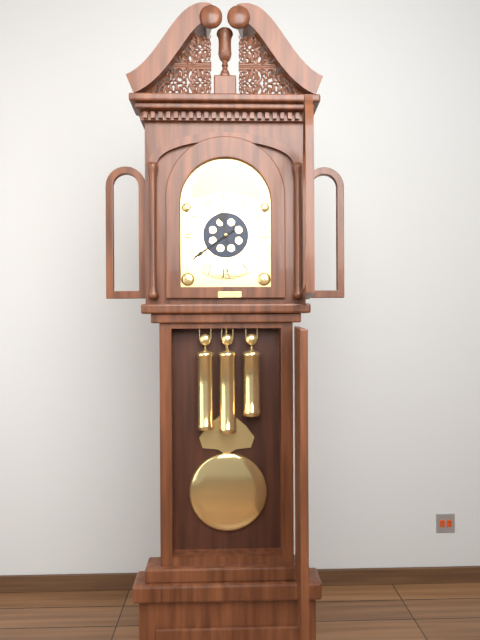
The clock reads 11h39
